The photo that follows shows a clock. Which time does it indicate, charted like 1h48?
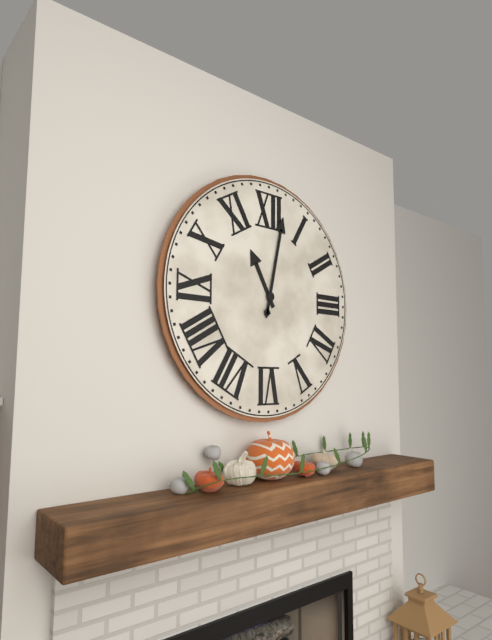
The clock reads 11h02
